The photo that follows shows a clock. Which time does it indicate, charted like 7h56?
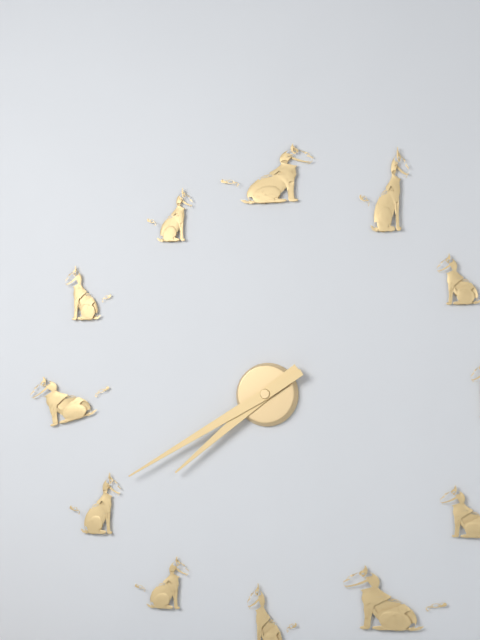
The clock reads 7h40
